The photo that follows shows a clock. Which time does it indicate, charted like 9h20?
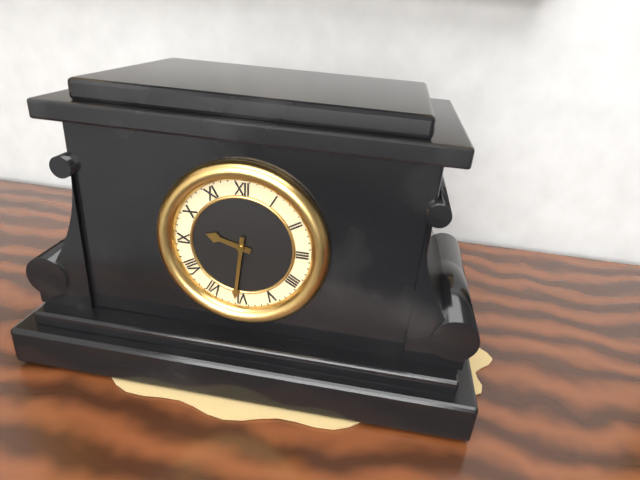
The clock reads 9h31
